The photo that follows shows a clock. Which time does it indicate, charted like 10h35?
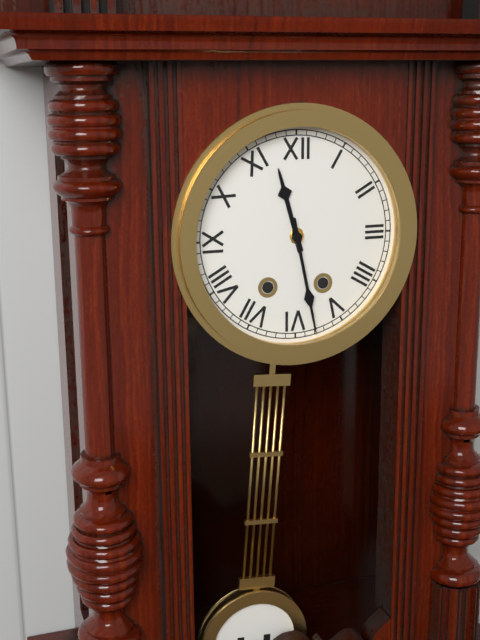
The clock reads 11h28
